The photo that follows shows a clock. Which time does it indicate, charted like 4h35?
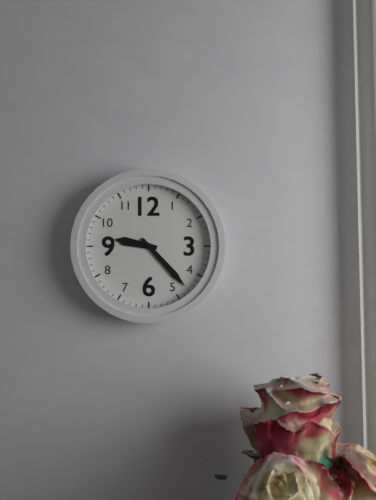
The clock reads 9h23
